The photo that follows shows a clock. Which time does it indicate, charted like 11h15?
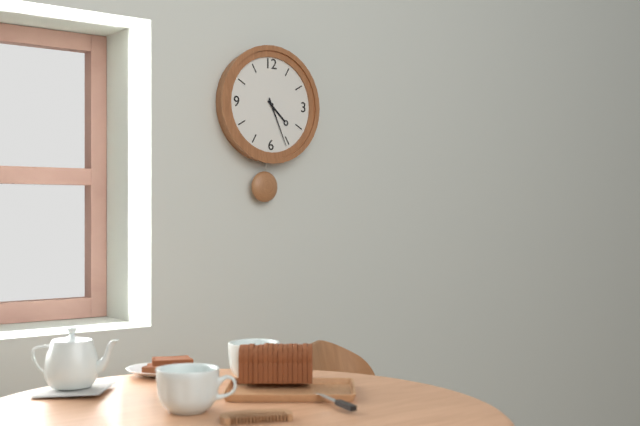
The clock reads 4h26
